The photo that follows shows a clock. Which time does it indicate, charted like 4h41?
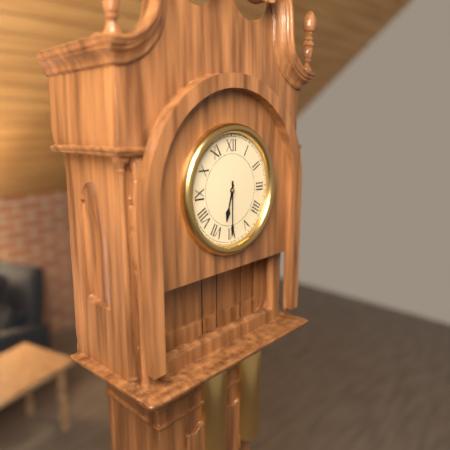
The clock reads 6h30
